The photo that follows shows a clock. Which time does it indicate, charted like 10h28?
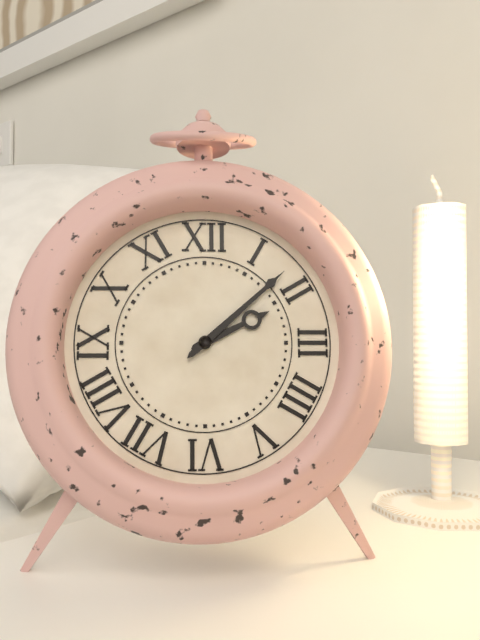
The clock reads 2h08
